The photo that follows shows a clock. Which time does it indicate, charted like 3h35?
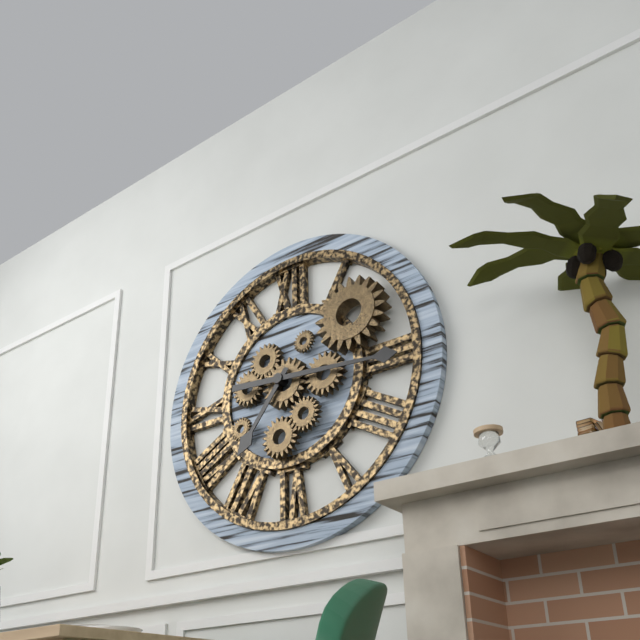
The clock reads 7h16
